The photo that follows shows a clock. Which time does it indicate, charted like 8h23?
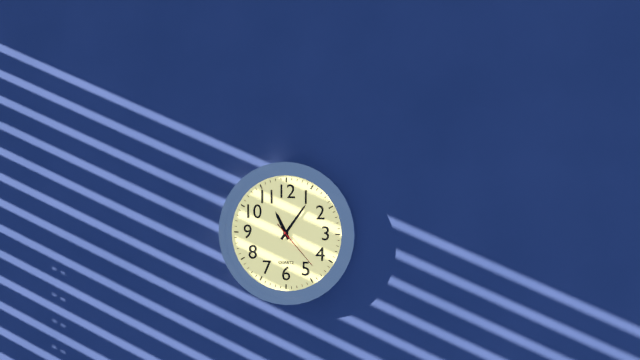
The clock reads 11h06
